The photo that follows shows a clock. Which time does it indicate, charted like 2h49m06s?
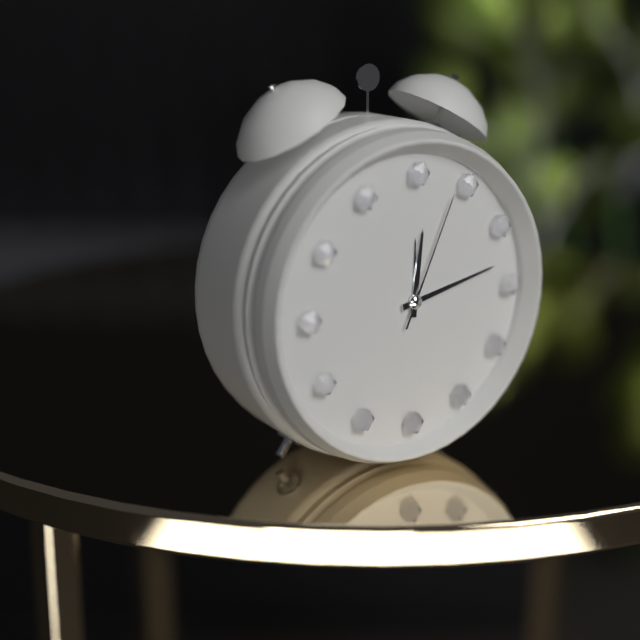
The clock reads 12h13m04s
